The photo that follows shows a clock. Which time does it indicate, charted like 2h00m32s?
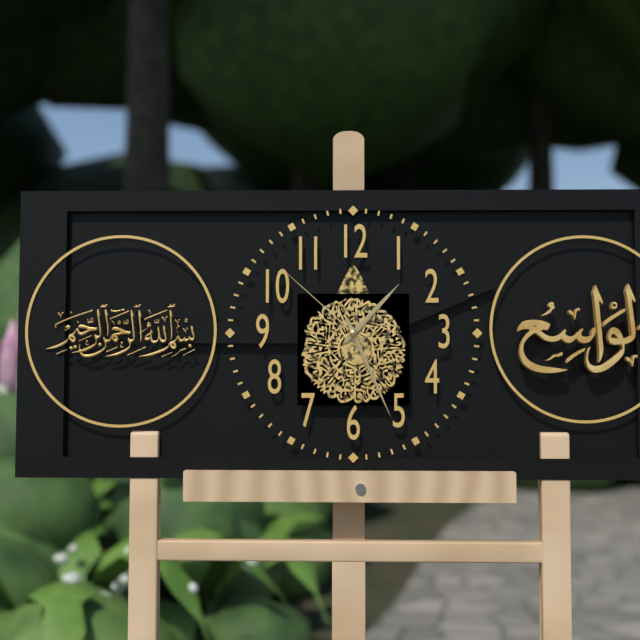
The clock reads 1h26m52s
